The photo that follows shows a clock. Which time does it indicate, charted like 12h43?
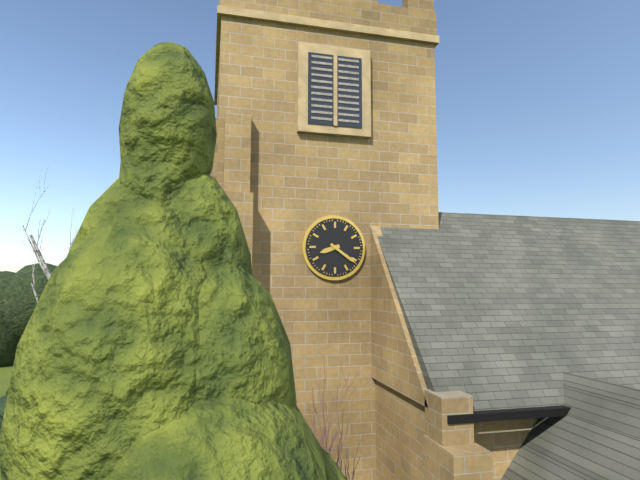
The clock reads 8h21
